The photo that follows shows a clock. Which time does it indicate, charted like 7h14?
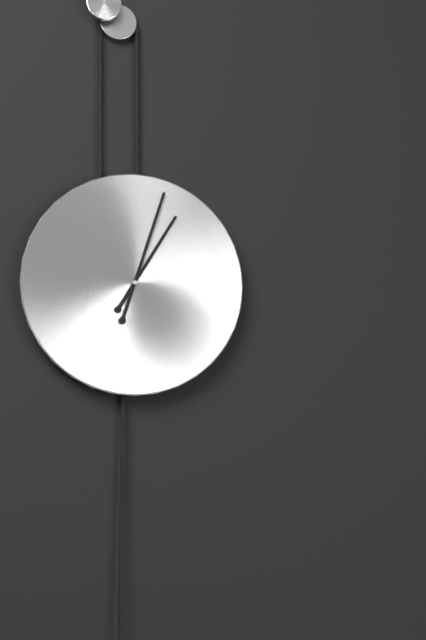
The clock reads 1h03
